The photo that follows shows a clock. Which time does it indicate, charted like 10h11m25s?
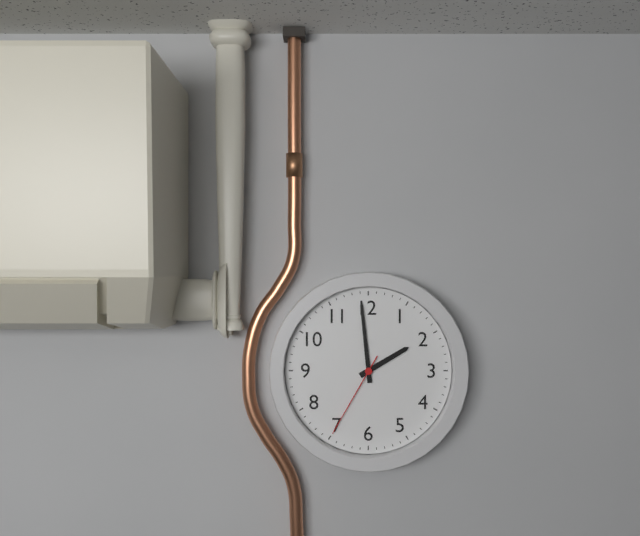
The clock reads 1h59m35s
